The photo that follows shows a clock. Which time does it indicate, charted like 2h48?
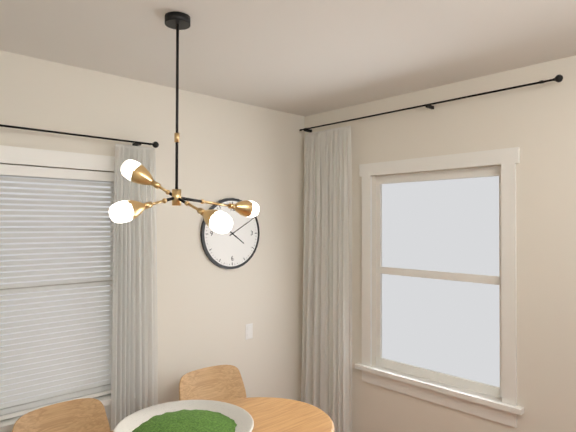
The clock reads 4h10
